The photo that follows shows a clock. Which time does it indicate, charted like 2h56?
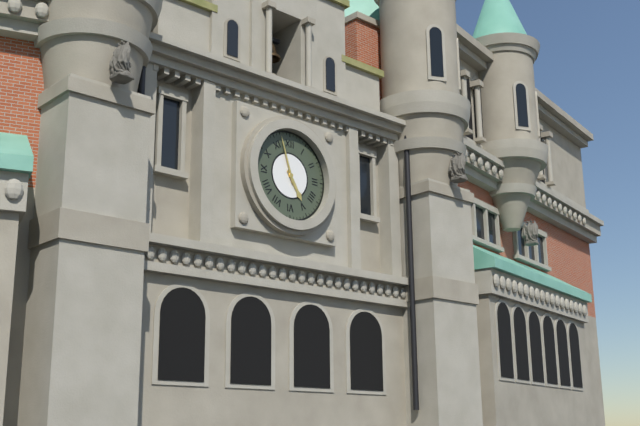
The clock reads 4h57
